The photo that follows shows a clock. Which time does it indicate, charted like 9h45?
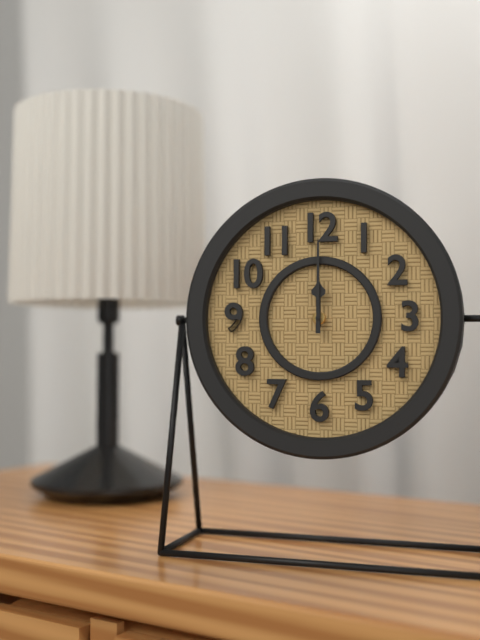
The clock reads 12h00
